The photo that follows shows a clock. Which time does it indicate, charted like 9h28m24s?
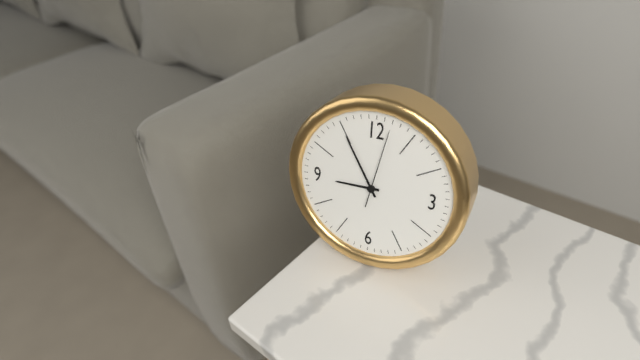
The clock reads 8h55m02s
